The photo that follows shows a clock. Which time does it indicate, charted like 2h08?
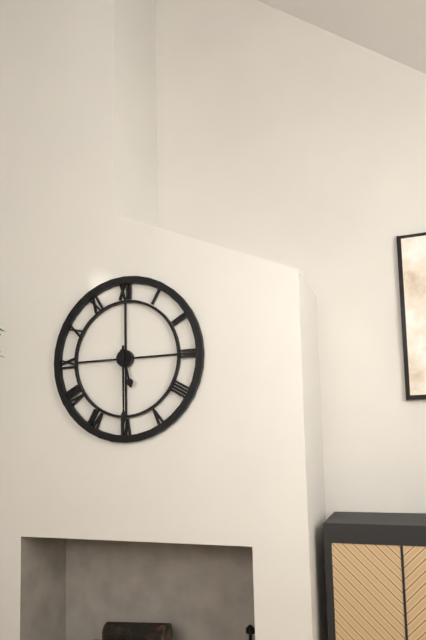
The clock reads 5h30
